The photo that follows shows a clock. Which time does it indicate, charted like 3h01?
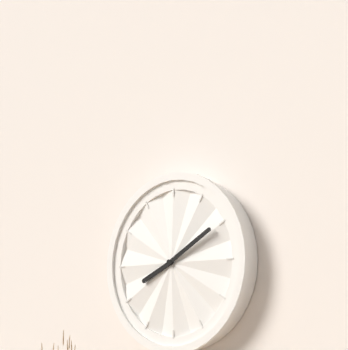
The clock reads 8h10
